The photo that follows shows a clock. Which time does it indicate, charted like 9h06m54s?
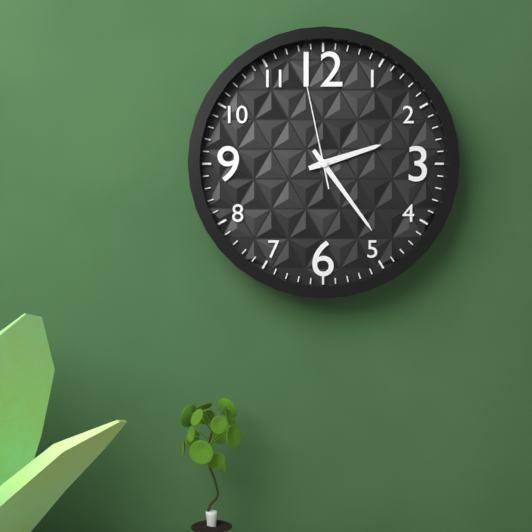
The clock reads 2h24m58s
